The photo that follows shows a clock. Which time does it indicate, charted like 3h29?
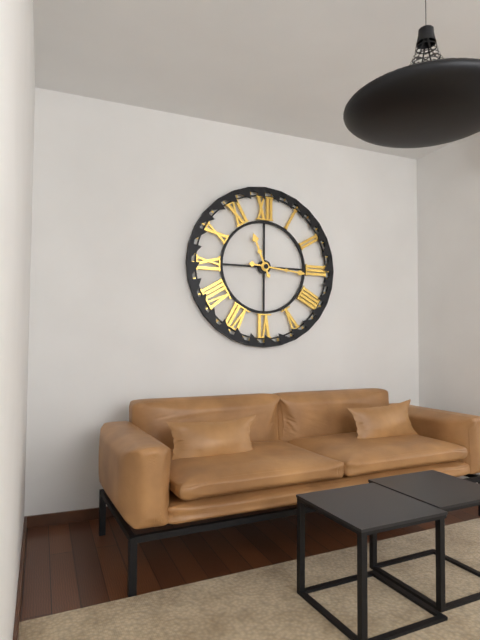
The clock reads 11h16
